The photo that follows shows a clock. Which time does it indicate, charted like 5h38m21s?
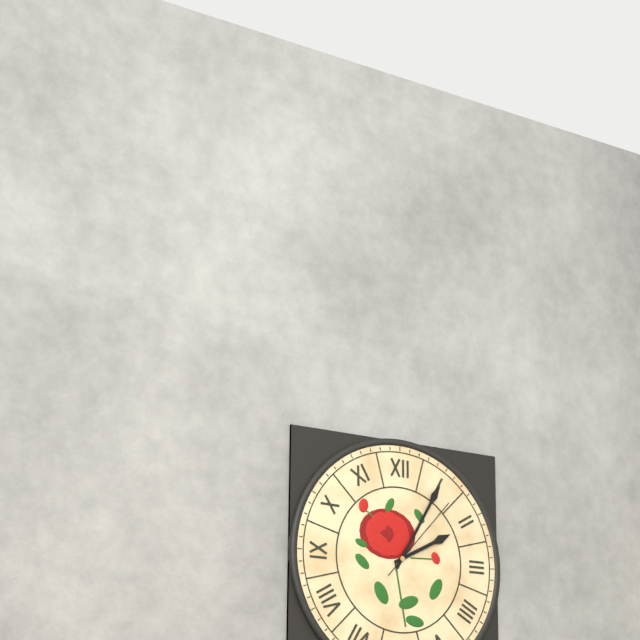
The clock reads 2h05m07s
